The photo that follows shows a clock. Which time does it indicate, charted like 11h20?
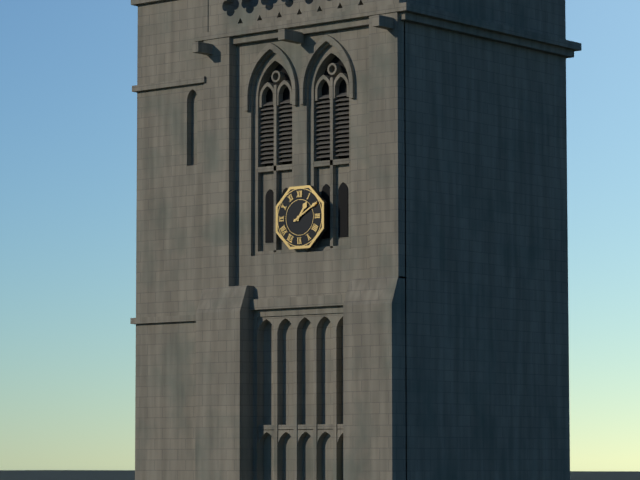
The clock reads 1h10
